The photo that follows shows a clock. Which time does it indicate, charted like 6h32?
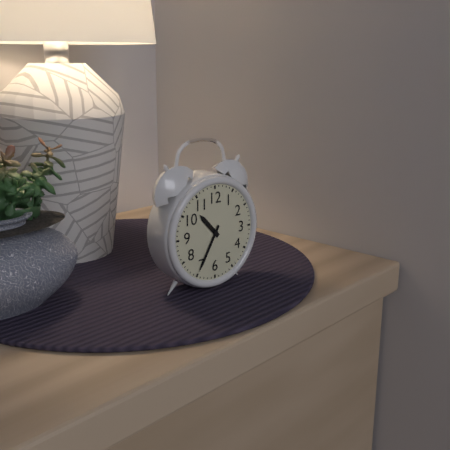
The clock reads 10h35
